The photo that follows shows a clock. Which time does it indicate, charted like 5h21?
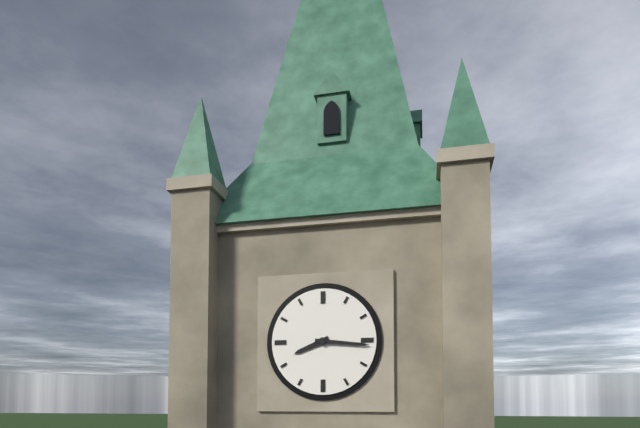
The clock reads 8h16
